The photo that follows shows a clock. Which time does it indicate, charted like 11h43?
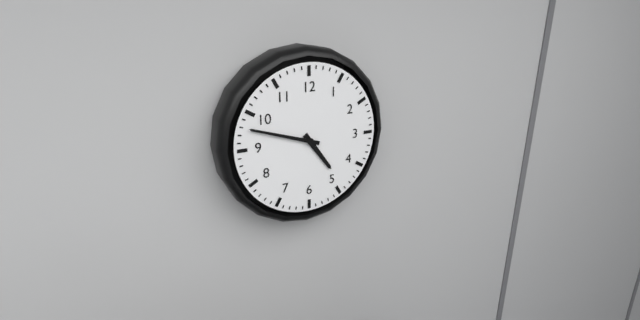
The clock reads 4h48
